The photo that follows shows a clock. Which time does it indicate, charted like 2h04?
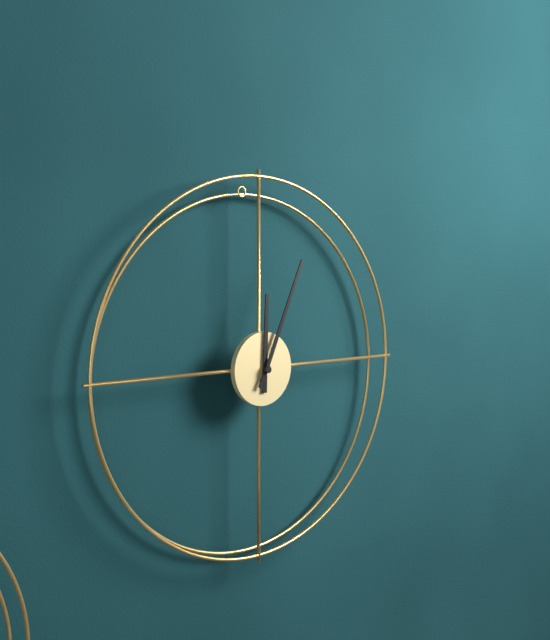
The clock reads 12h04
